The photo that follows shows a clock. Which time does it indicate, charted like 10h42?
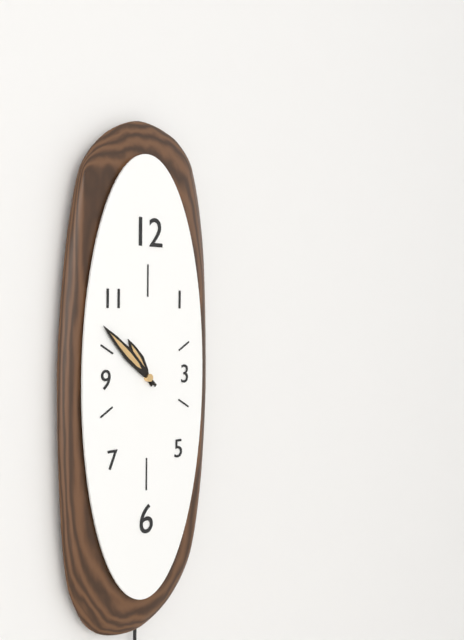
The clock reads 10h52
